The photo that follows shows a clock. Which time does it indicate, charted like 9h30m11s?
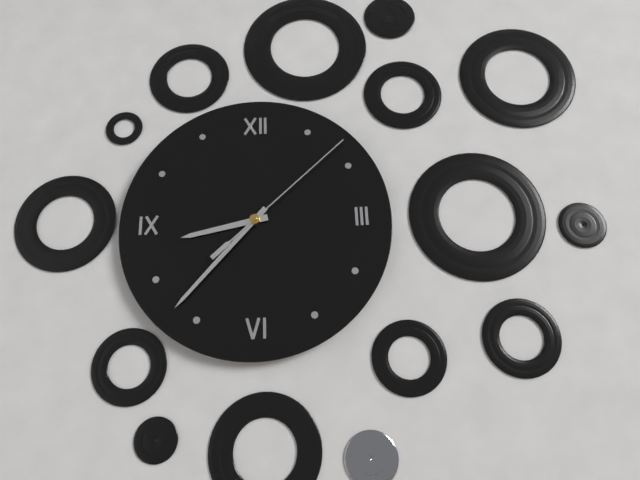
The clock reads 8h37m08s
